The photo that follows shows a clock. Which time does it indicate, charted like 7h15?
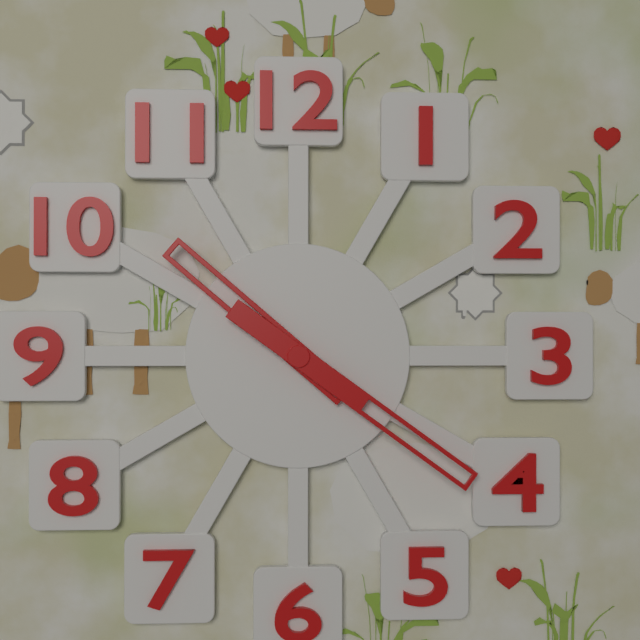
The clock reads 10h21
